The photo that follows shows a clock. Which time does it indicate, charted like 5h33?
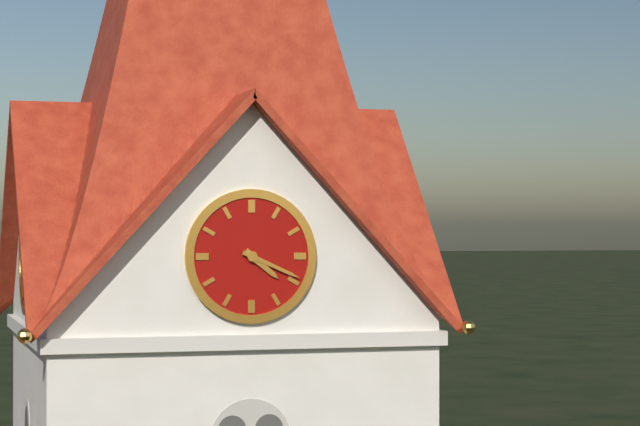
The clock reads 4h19
